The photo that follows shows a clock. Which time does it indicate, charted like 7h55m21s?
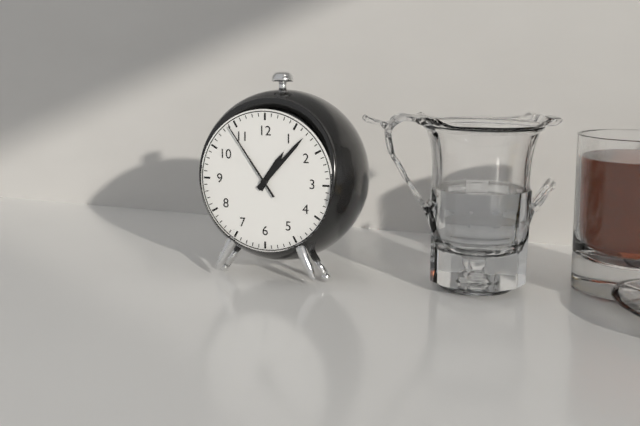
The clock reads 1h07m54s
